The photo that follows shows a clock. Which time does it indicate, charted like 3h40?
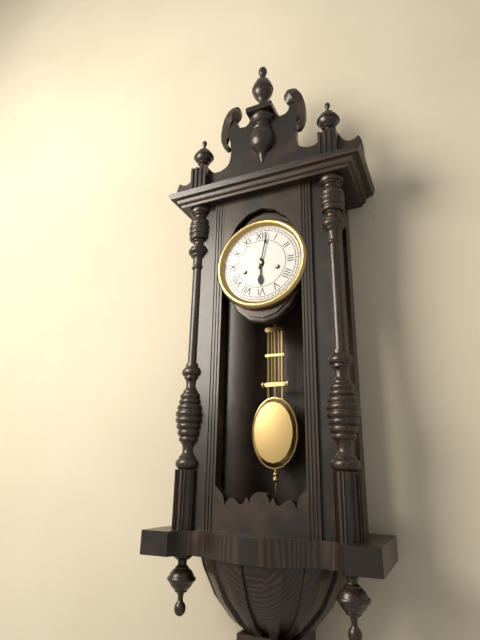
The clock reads 6h02
